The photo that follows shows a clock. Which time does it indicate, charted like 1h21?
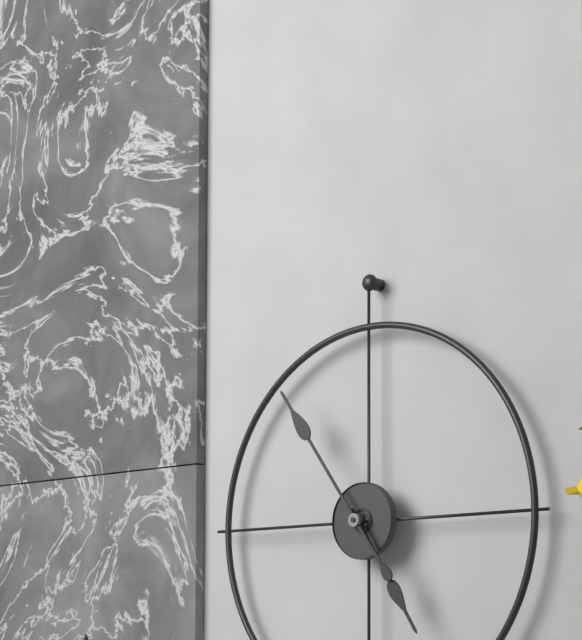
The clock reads 4h54
